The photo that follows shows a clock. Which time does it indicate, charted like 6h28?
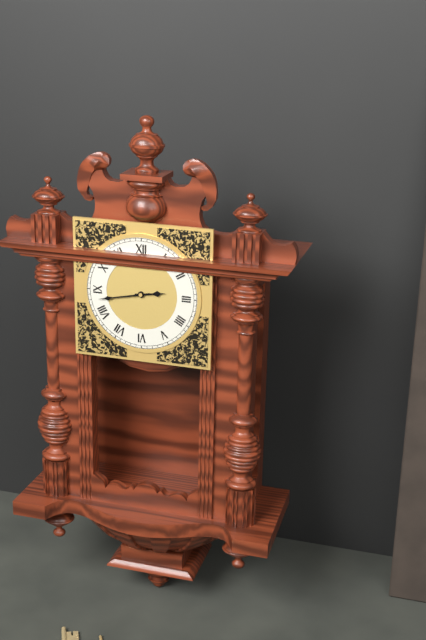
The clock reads 2h43
